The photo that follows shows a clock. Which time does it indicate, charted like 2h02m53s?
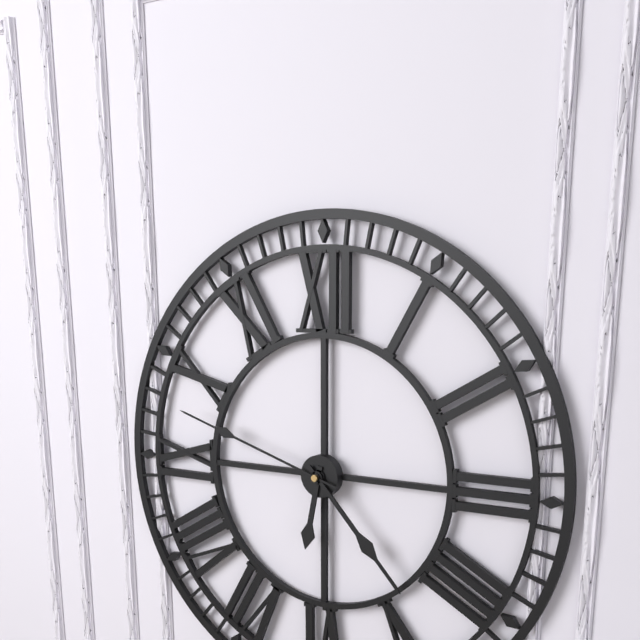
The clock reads 6h23m48s
